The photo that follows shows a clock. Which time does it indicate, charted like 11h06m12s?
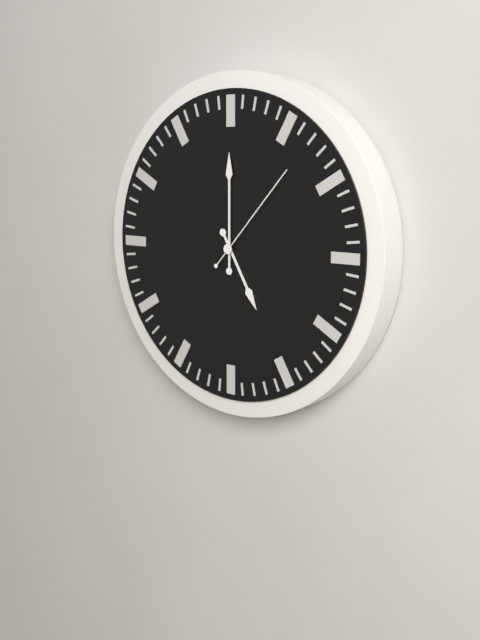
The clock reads 5h00m07s
